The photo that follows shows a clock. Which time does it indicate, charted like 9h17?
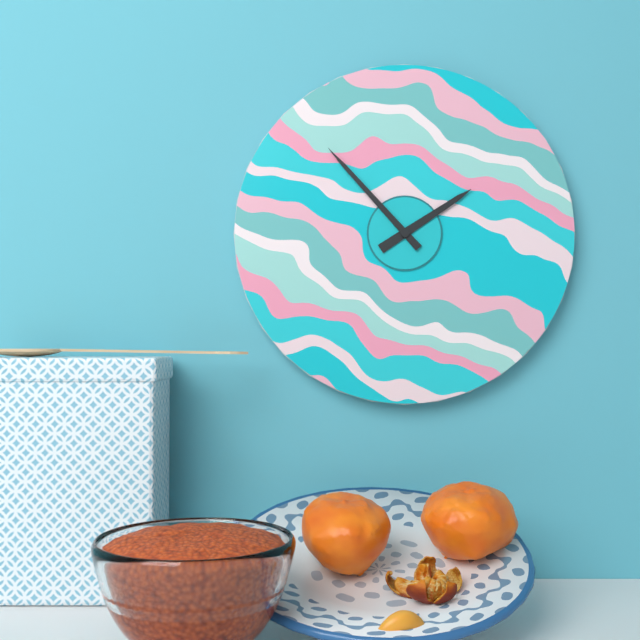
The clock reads 1h53
